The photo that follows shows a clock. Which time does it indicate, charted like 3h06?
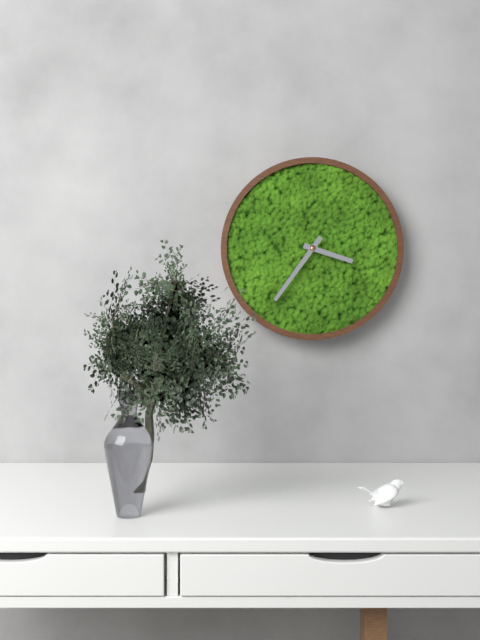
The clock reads 3h36
